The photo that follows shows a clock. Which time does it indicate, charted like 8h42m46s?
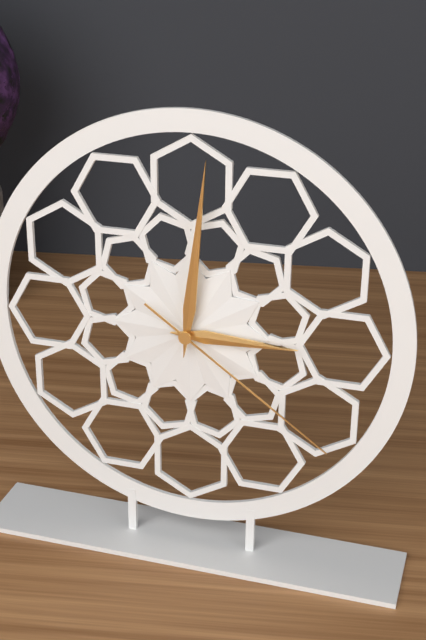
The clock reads 3h01m21s
